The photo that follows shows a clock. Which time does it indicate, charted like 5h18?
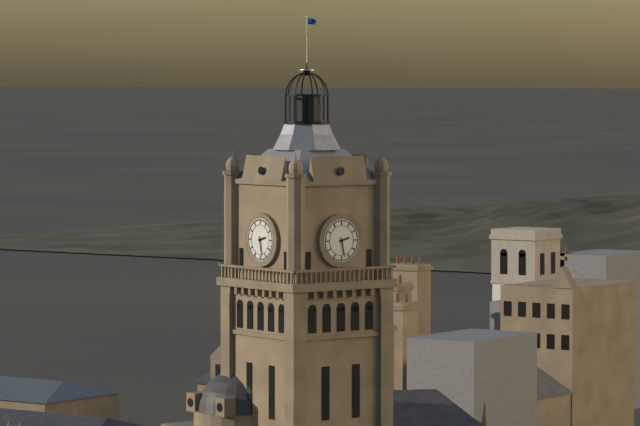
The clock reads 2h28
